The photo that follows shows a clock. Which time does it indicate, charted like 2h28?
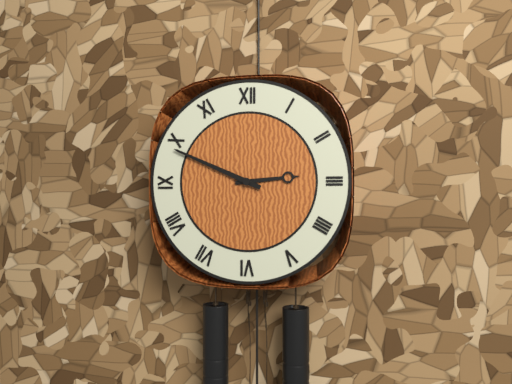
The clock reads 2h49
